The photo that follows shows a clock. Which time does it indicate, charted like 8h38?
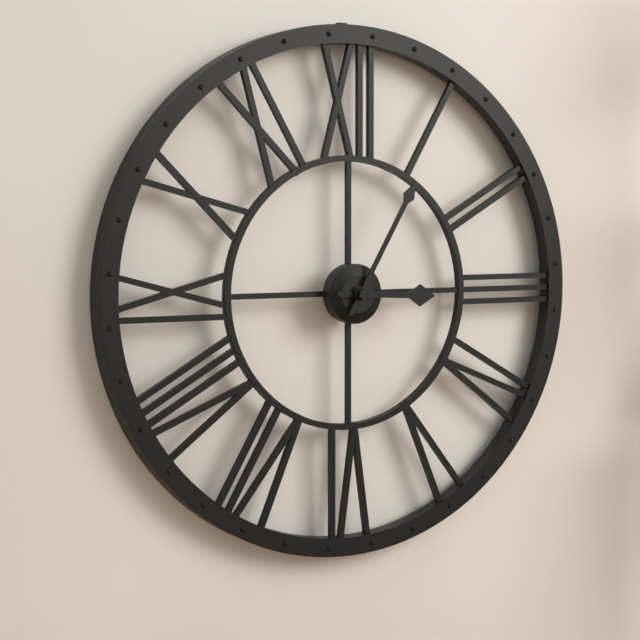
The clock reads 3h05
